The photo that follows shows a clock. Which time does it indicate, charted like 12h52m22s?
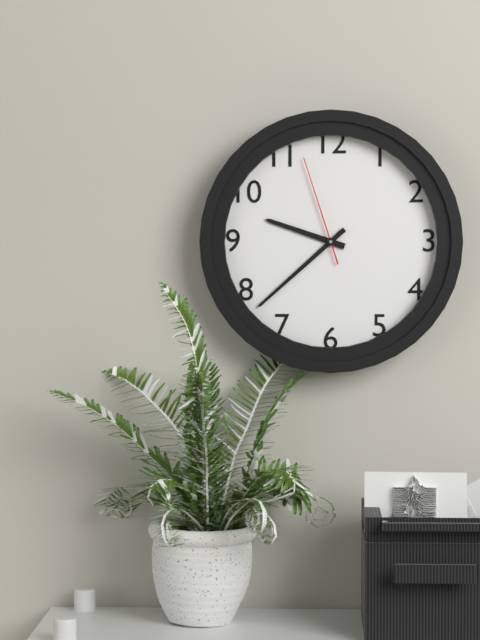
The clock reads 9h38m57s
